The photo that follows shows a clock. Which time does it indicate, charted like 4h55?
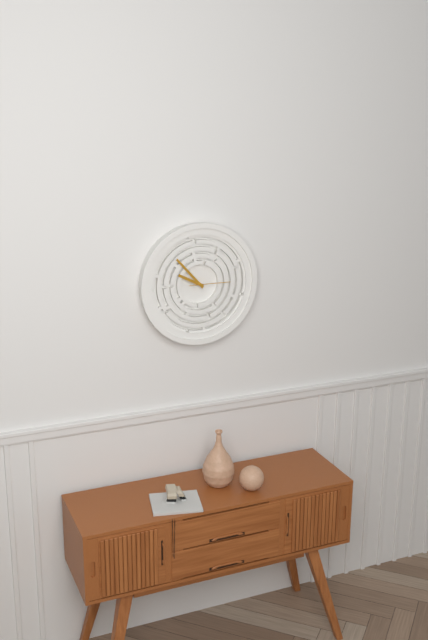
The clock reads 9h53
